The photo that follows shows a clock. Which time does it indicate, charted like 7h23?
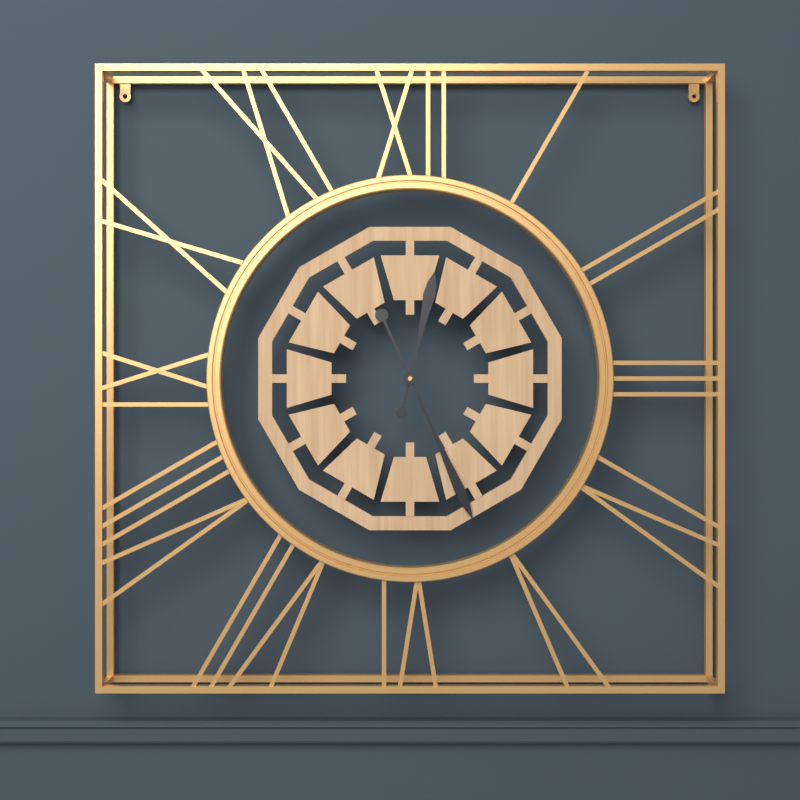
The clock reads 12h26
